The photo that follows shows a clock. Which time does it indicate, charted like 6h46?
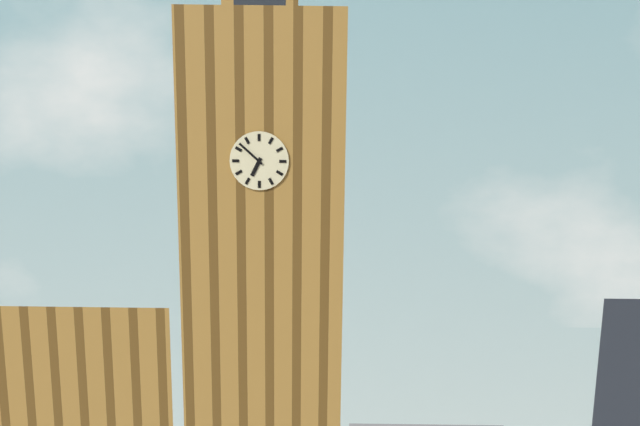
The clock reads 6h52
